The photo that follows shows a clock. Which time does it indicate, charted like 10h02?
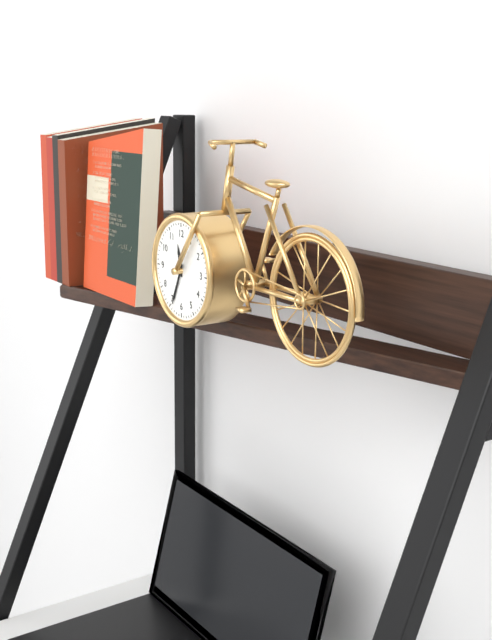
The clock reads 11h34
